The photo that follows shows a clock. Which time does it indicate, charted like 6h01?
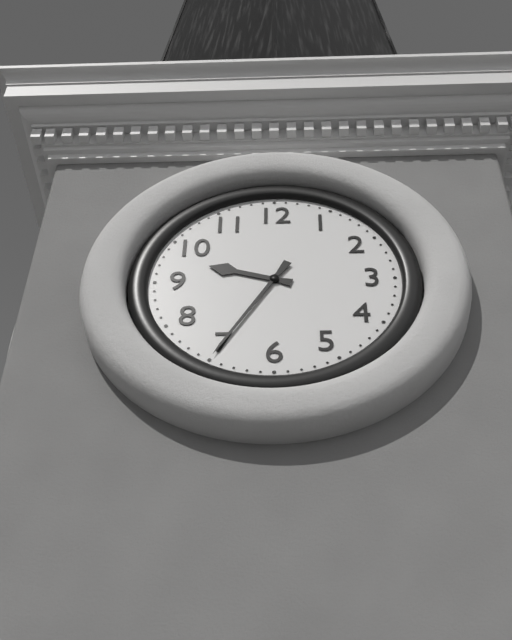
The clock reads 9h35
